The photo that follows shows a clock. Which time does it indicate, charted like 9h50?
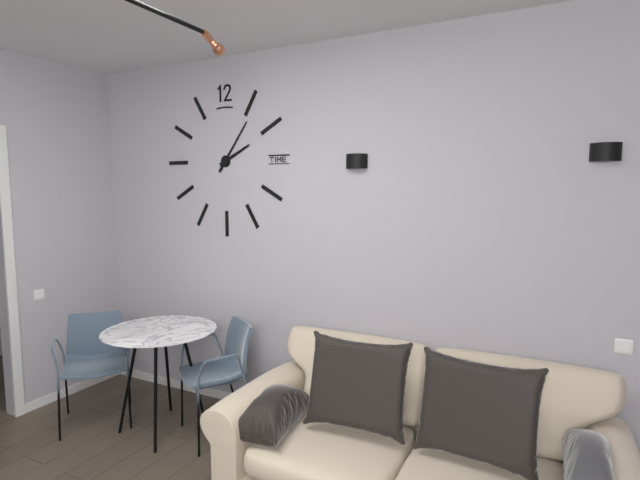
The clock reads 2h06
